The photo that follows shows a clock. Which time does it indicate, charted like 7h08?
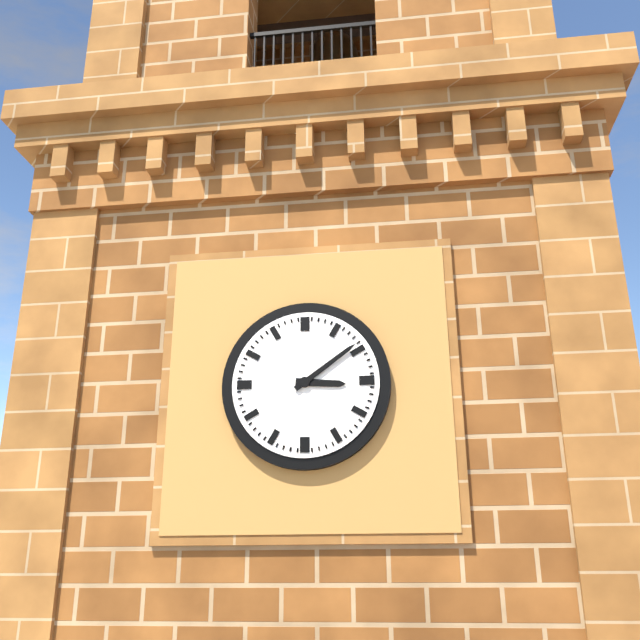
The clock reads 3h09
